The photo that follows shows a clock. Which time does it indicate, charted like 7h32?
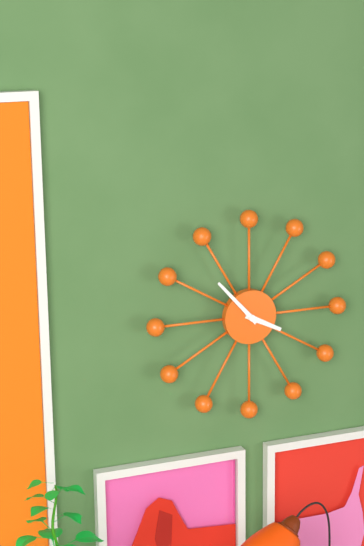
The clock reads 3h53
